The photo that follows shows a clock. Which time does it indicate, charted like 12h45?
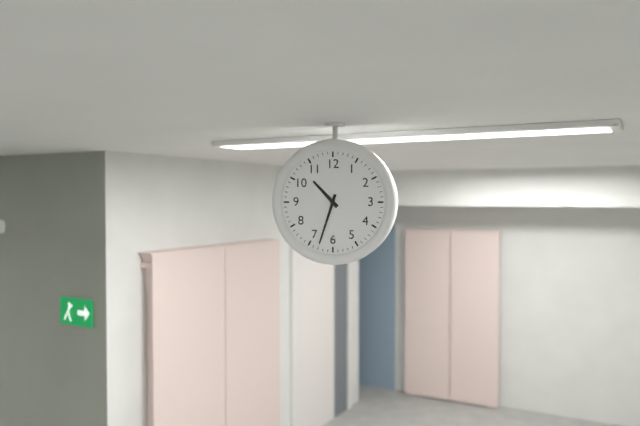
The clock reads 10h33
